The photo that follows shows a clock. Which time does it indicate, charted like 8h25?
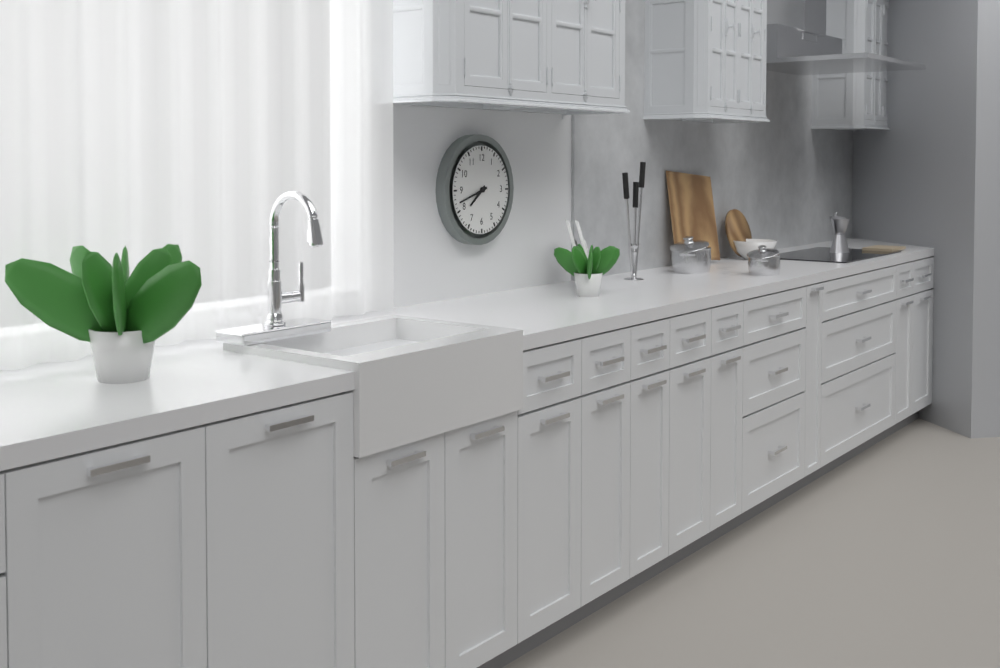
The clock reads 7h42
